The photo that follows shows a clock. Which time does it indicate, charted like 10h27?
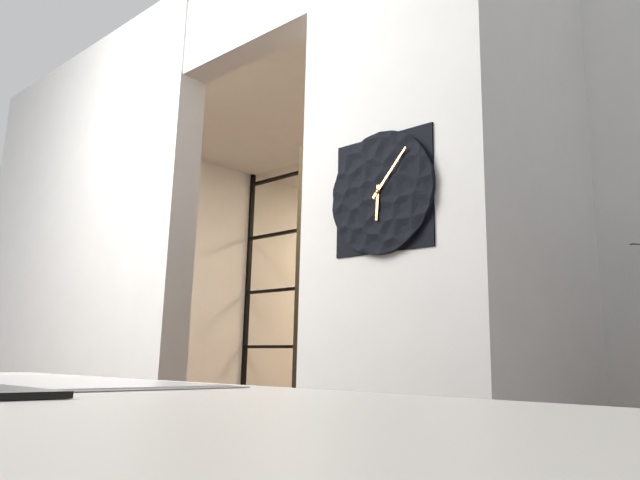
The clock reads 6h07
